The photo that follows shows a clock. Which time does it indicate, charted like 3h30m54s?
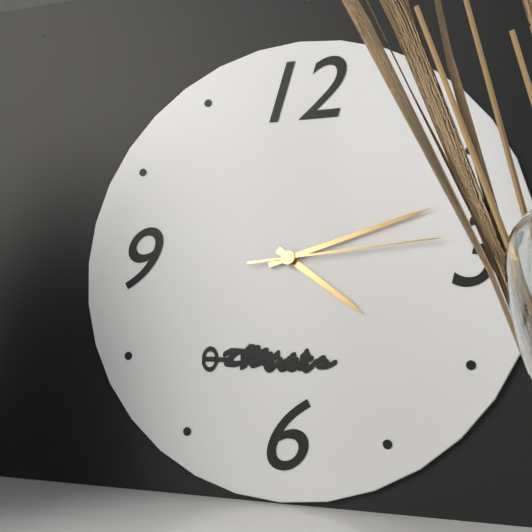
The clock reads 4h12m14s
